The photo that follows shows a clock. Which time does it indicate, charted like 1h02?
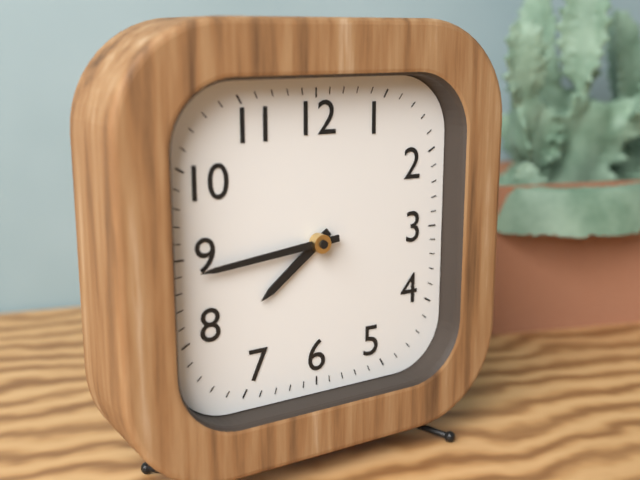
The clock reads 7h44
